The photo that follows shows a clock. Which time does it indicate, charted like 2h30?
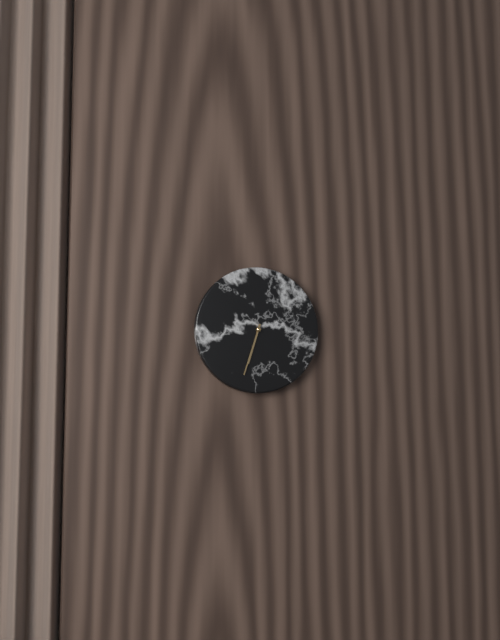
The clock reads 6h33
